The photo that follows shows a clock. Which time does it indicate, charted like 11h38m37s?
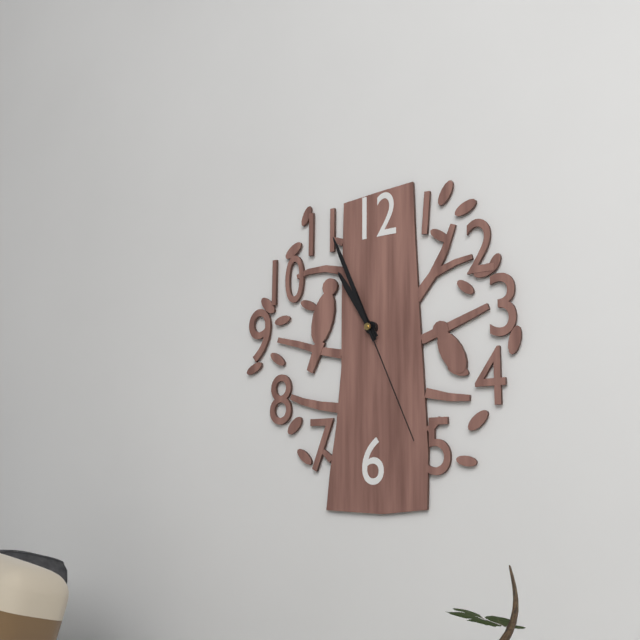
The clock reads 10h56m26s
